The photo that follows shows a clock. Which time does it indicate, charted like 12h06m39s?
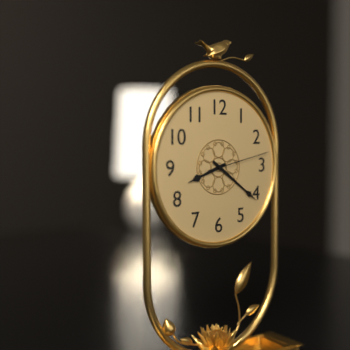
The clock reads 8h21m13s
